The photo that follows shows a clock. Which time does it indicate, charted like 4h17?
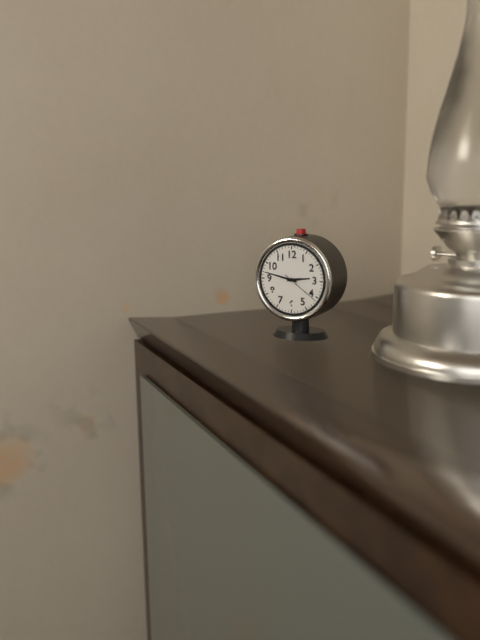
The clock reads 2h47
